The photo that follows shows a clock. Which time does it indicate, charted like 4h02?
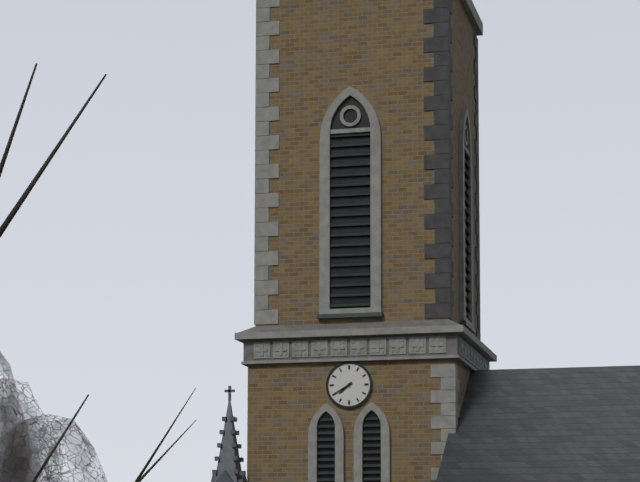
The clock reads 7h40
